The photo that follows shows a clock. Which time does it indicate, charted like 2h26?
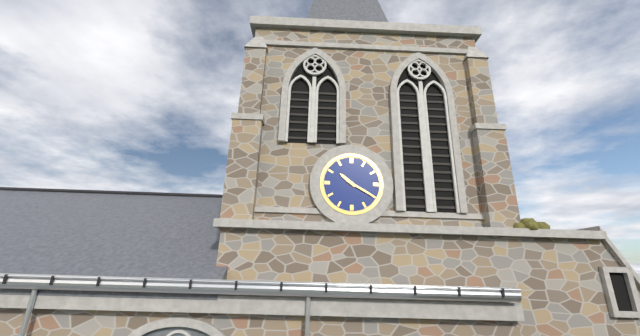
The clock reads 10h20
